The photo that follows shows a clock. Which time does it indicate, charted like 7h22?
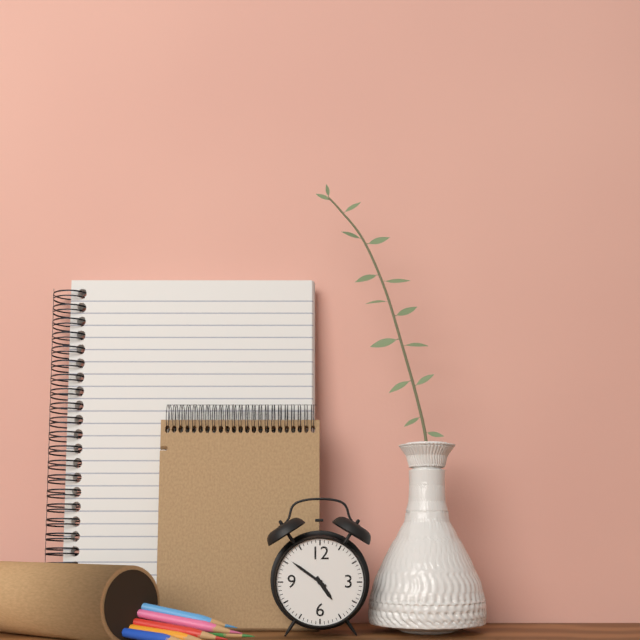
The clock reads 4h51
